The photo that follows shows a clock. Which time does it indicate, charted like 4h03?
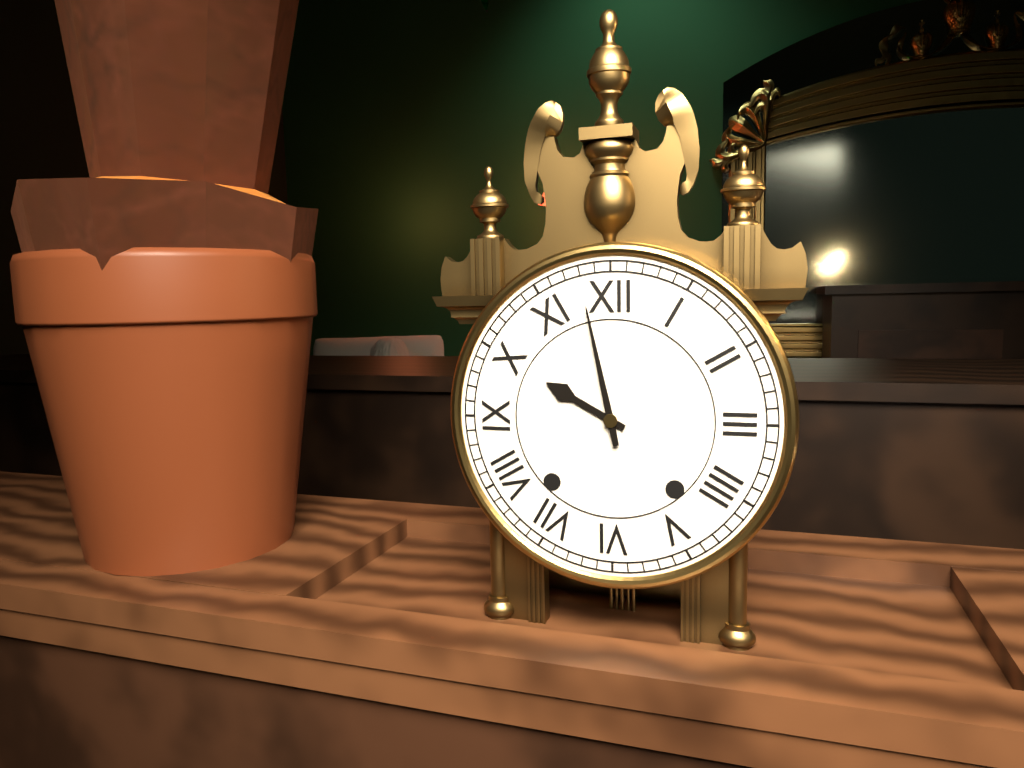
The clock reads 9h58
